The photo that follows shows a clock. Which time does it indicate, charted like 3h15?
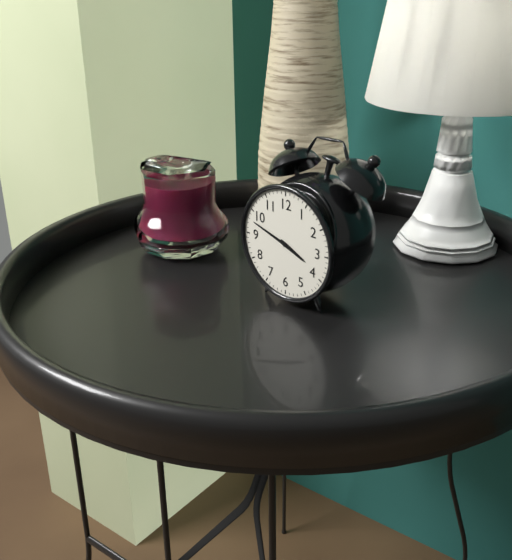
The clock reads 3h48
